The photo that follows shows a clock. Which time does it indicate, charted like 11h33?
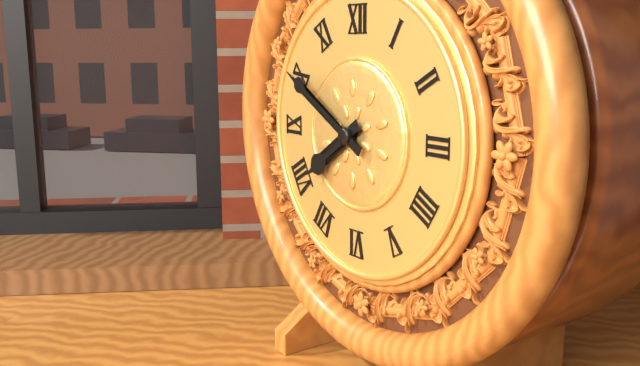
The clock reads 7h50
